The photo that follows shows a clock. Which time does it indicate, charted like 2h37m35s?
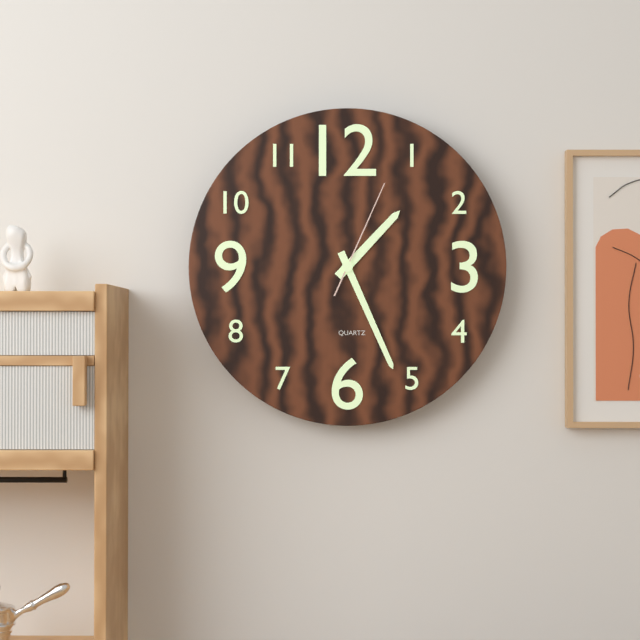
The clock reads 1h26m04s
